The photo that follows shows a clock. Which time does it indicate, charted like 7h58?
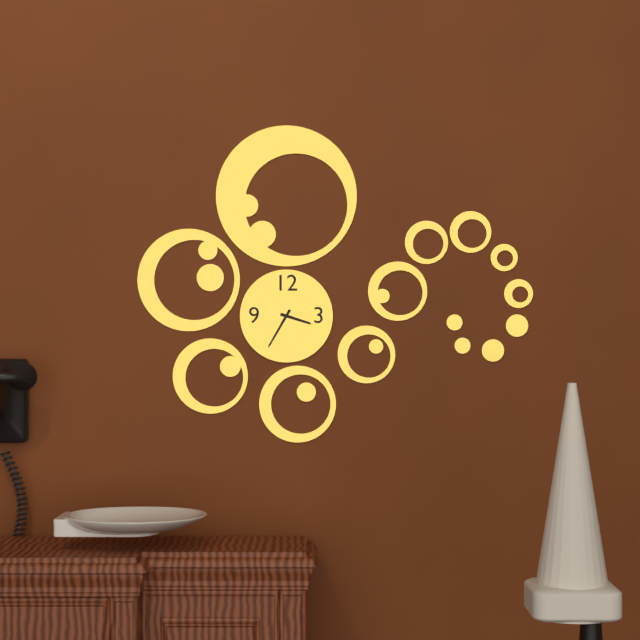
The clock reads 3h35
